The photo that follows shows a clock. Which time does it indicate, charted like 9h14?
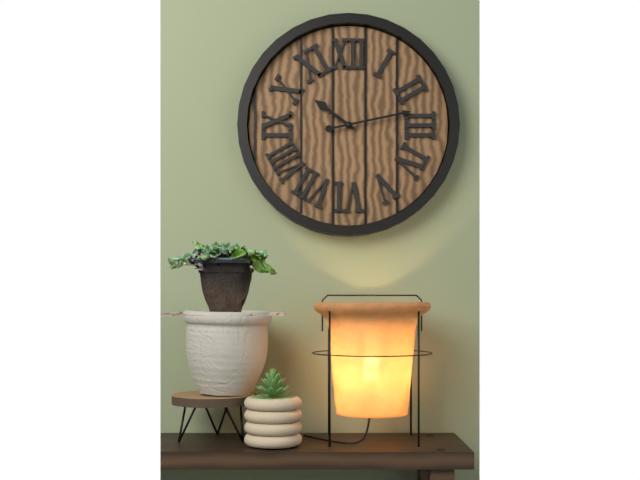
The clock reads 10h13
